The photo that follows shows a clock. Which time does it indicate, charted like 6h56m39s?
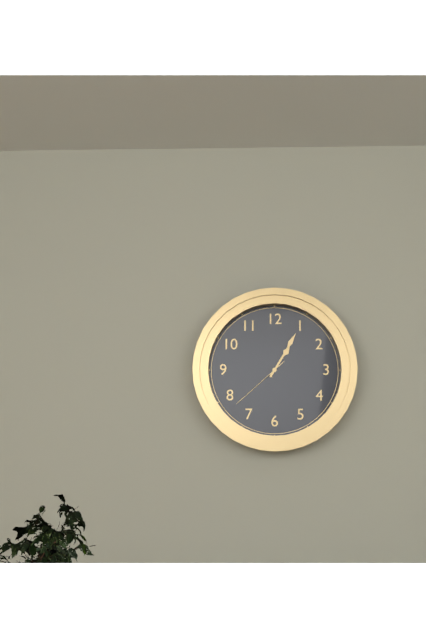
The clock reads 1h05m38s
